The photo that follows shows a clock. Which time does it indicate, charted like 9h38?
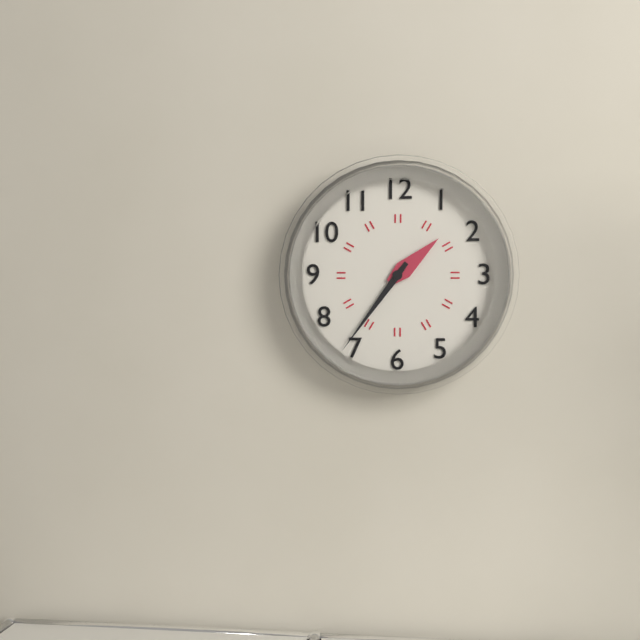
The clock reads 1h36
